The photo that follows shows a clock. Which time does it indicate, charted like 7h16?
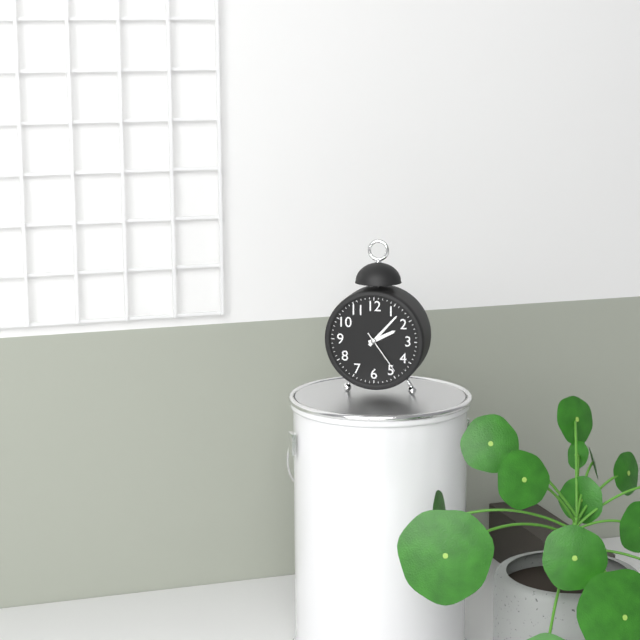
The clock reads 2h07
